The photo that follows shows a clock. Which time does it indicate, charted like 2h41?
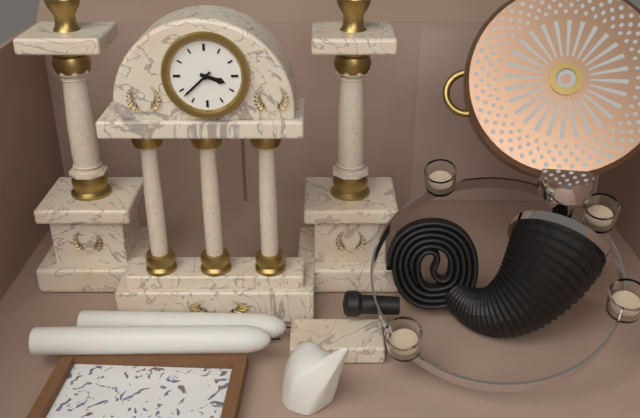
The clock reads 3h38
